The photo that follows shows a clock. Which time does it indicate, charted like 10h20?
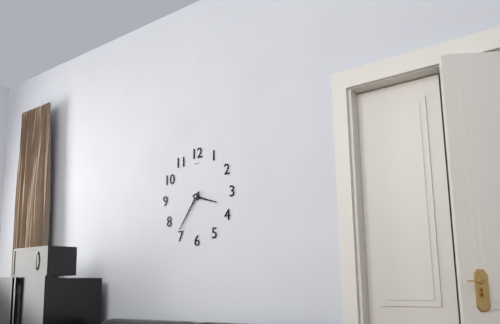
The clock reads 3h36
